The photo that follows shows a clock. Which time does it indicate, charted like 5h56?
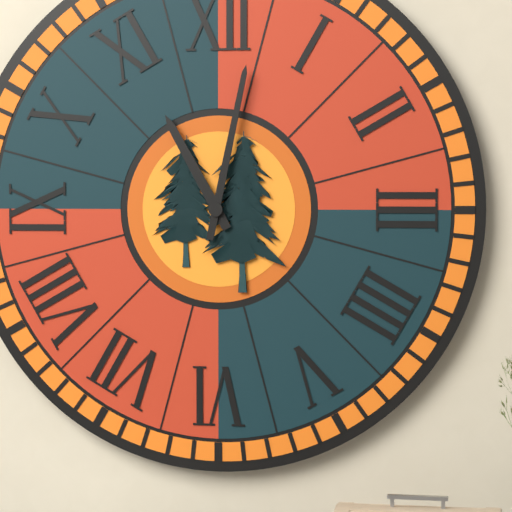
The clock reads 11h02
